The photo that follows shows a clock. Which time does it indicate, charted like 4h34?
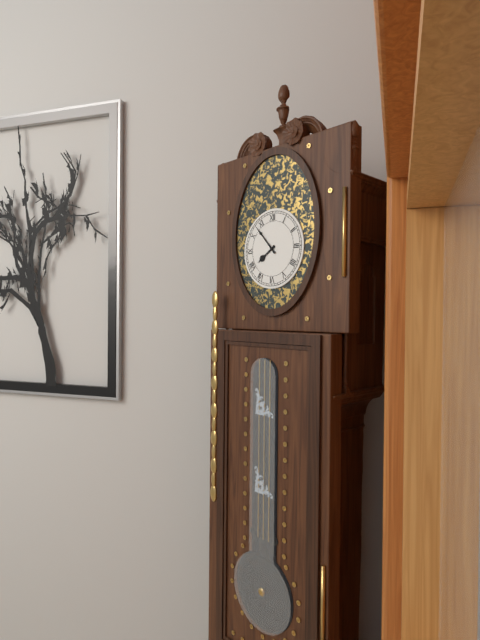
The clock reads 7h53
